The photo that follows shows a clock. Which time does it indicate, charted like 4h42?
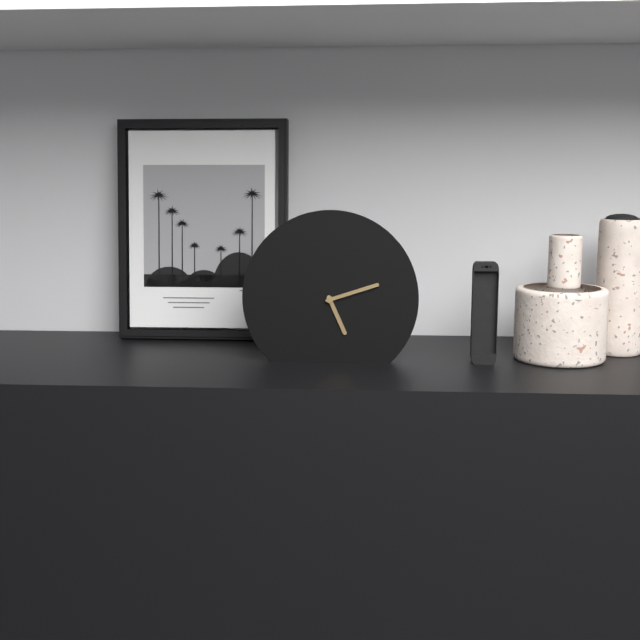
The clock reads 5h12
